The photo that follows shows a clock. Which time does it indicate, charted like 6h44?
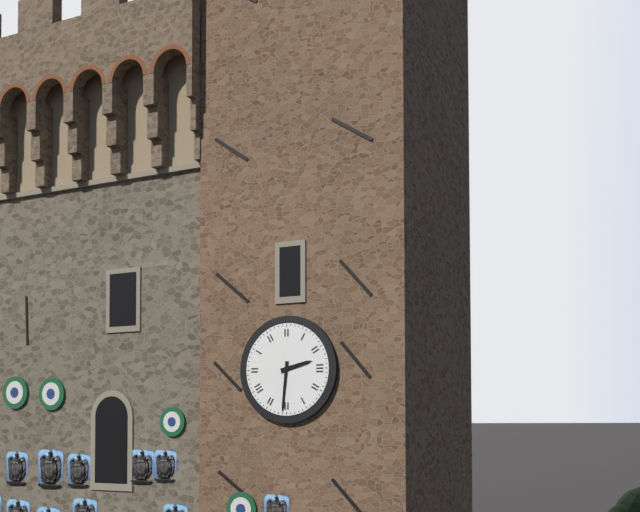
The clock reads 2h31
